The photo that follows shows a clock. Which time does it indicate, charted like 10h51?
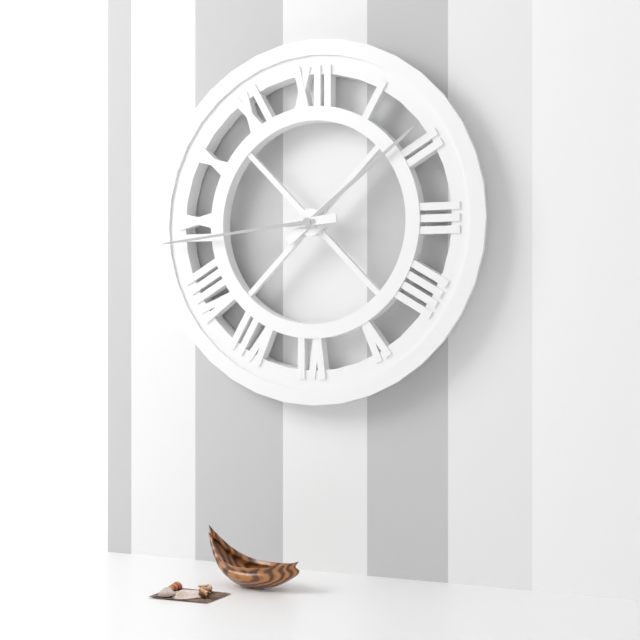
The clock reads 1h44
